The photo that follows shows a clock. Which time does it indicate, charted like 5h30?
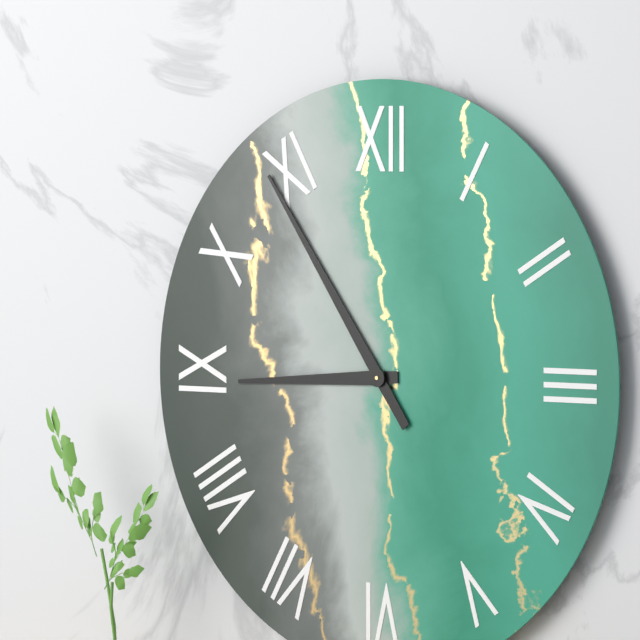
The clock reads 8h54
